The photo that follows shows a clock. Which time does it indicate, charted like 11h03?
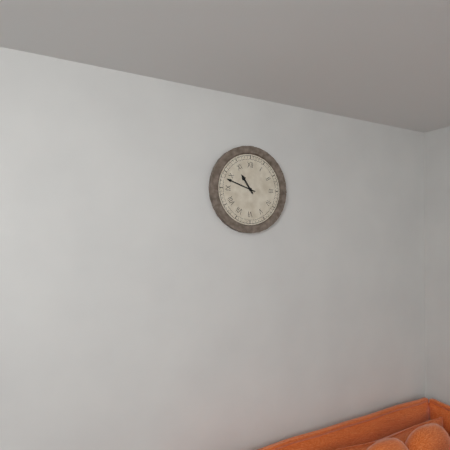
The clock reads 10h48
